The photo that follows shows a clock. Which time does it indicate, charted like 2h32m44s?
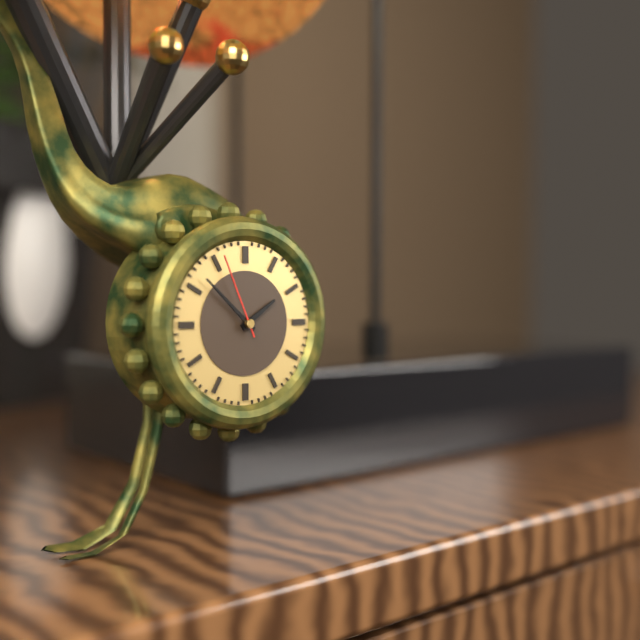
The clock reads 1h52m56s
